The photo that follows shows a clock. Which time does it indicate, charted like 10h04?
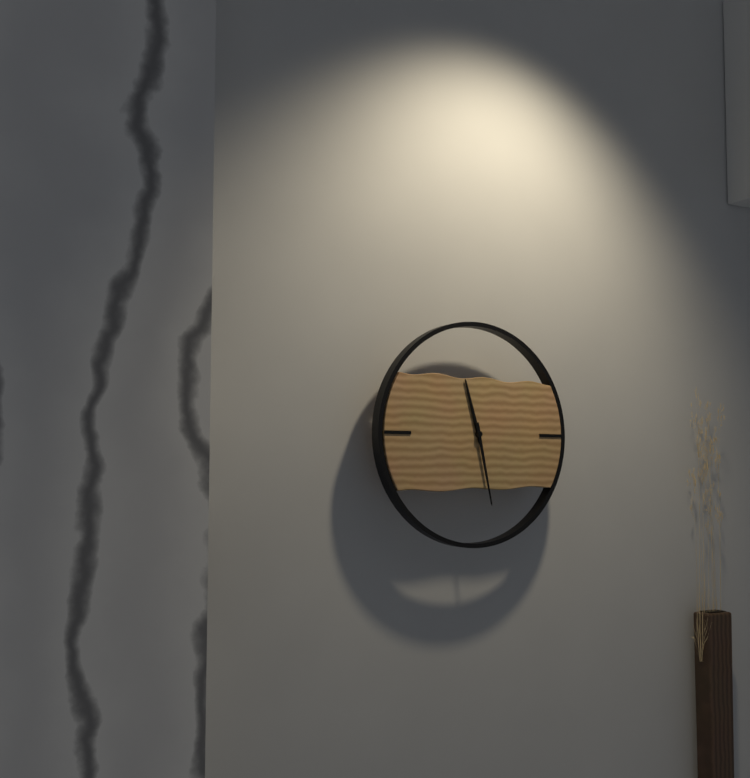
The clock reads 11h28
